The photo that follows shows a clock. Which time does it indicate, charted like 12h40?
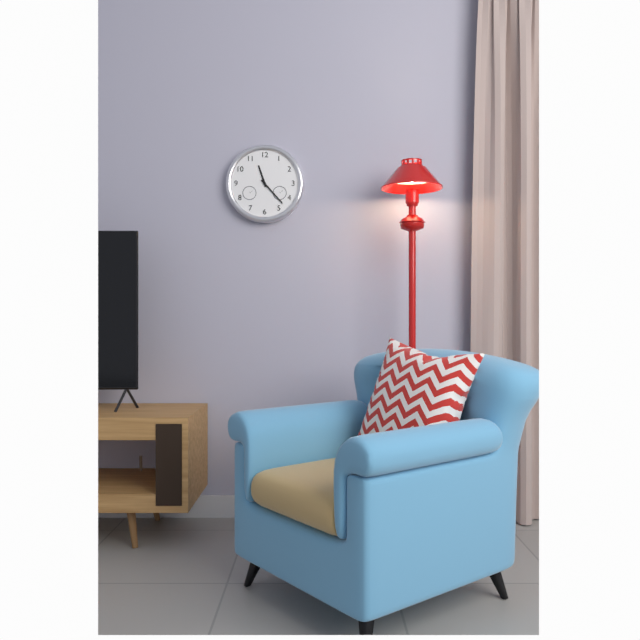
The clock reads 11h23
